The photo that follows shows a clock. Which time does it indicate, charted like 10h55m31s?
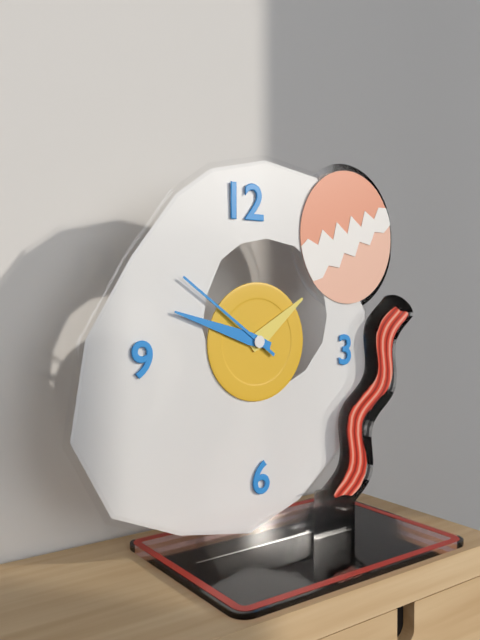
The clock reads 1h48m51s
